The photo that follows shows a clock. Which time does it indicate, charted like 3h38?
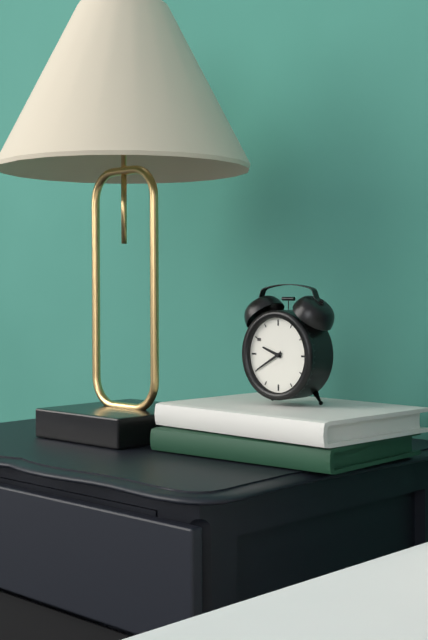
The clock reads 9h40
